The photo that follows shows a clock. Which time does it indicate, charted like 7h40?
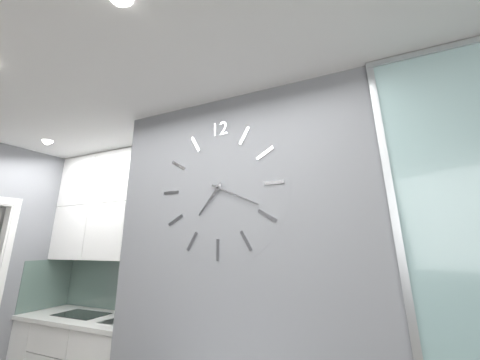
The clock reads 7h19
